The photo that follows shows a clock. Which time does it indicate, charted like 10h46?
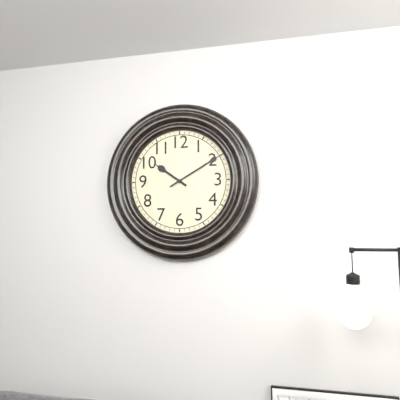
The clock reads 10h10
